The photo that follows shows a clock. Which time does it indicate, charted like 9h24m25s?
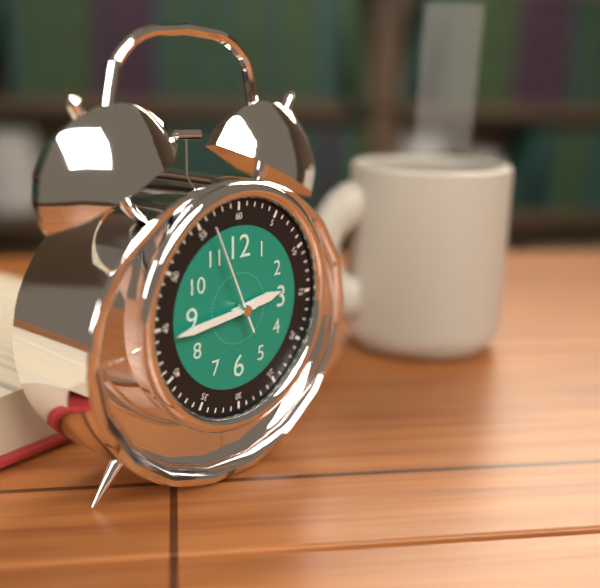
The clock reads 2h44m56s
